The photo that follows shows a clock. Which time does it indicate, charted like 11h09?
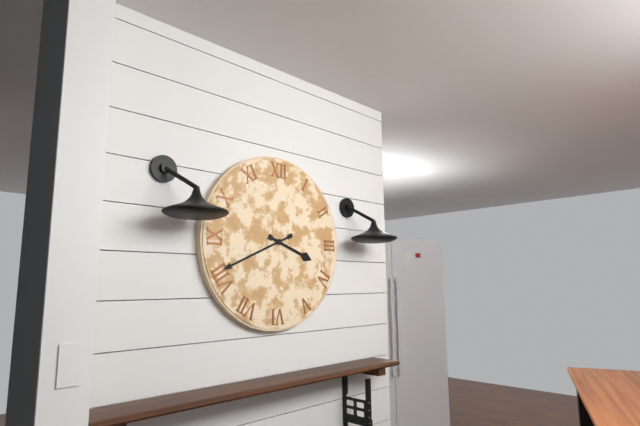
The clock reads 3h41
